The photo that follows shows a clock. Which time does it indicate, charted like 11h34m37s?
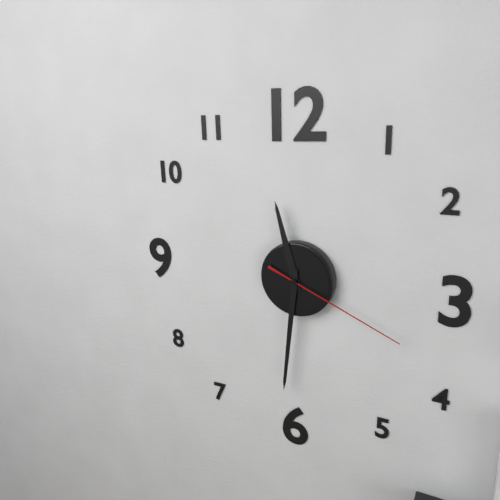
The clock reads 11h31m19s
